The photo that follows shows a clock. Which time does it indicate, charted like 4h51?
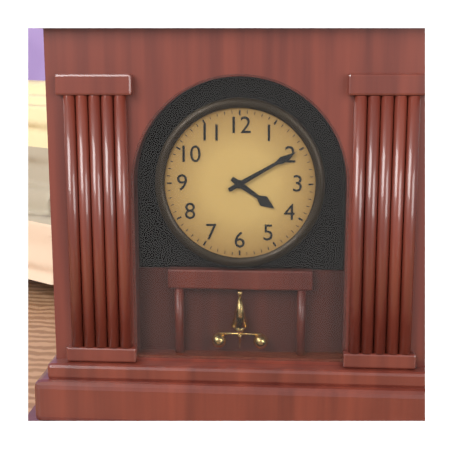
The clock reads 4h10
